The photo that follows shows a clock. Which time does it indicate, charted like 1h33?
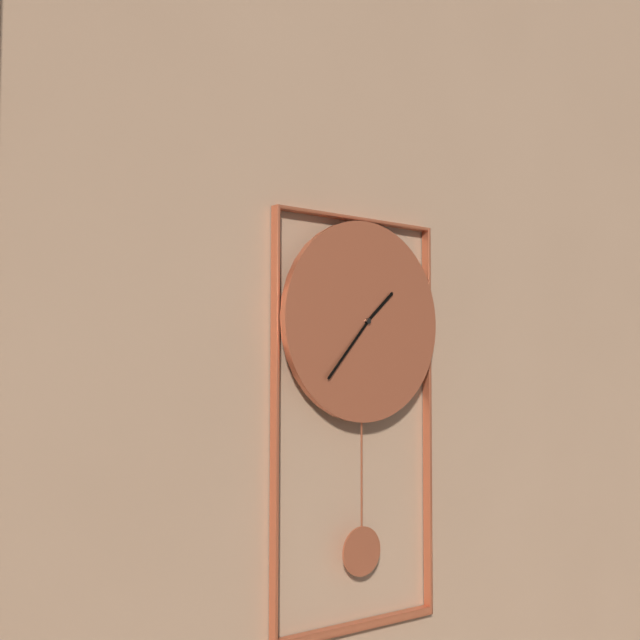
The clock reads 1h37
